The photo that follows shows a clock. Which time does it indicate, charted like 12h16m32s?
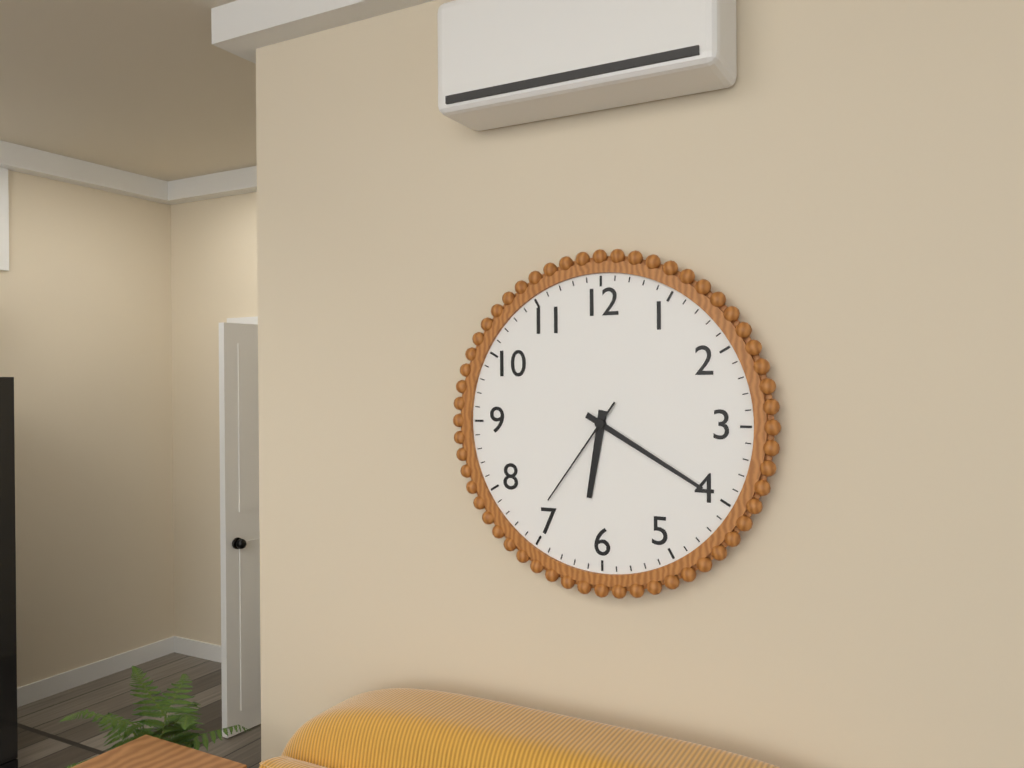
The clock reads 6h20m36s
